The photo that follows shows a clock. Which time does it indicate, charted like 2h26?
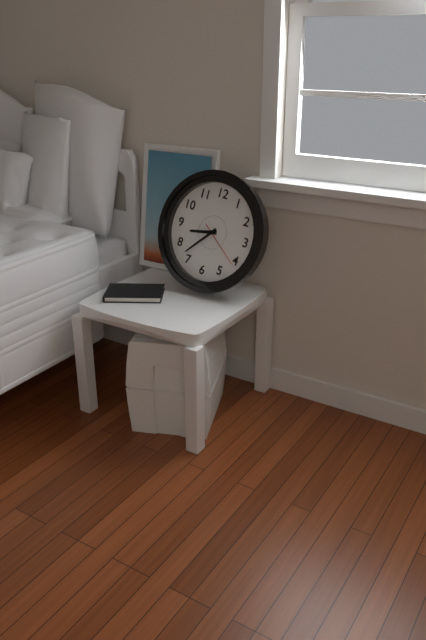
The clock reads 8h37
